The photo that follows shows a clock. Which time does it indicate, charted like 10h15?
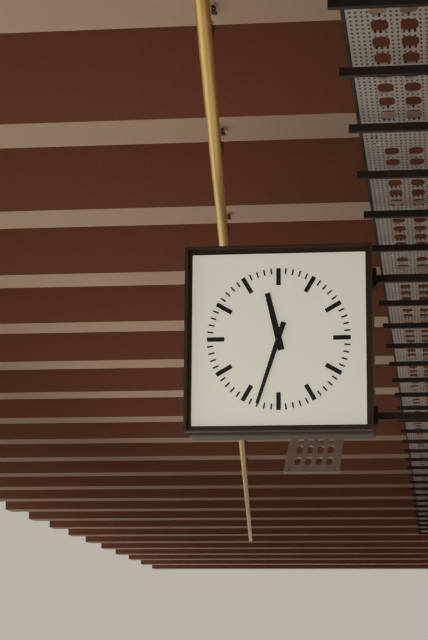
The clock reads 11h33
